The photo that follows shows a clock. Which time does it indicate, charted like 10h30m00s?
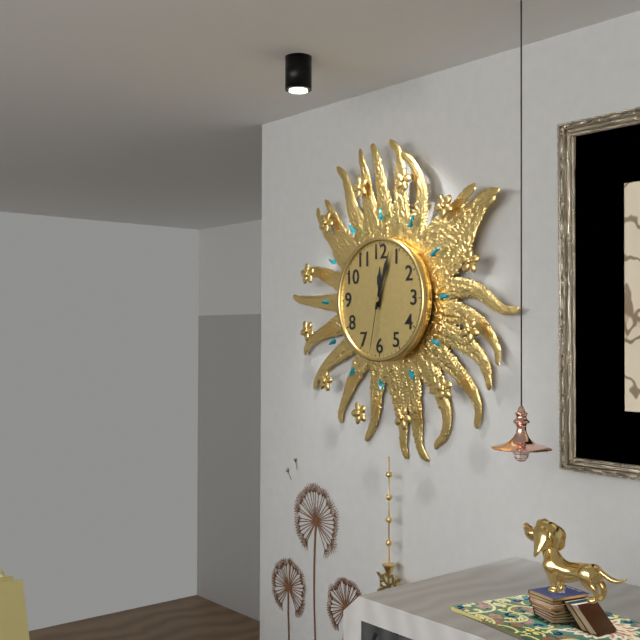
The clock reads 12h03m32s
